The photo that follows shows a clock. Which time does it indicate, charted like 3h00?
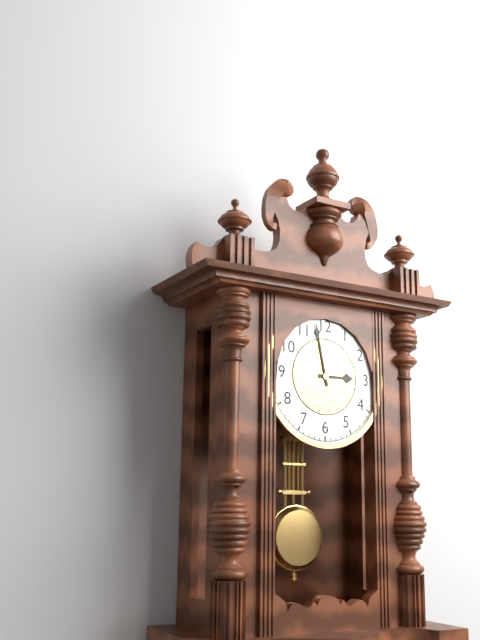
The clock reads 2h58
